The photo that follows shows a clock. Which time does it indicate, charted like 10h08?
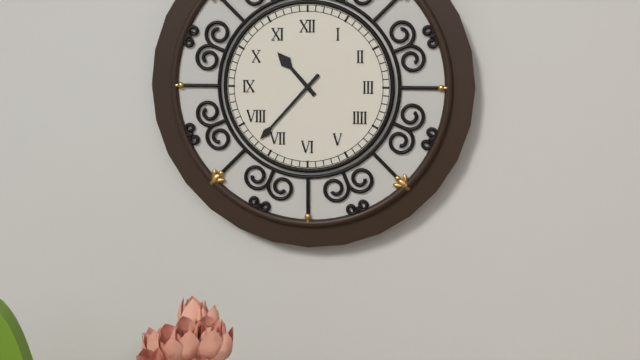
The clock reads 10h37
